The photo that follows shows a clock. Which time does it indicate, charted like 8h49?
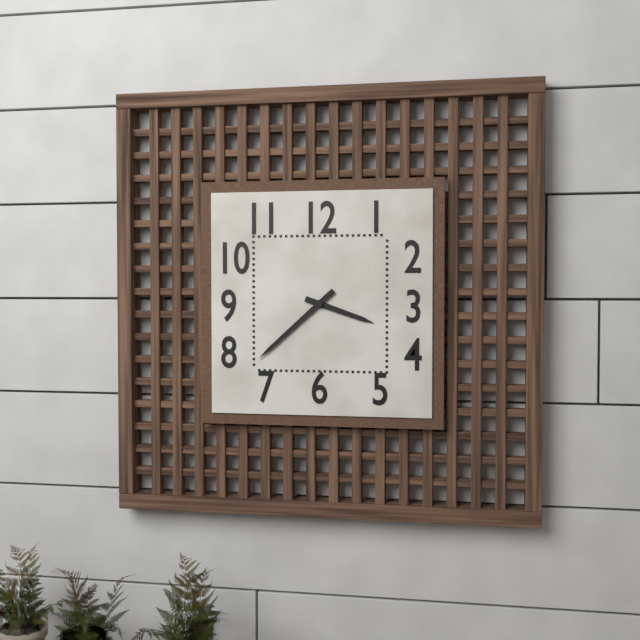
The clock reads 3h38
